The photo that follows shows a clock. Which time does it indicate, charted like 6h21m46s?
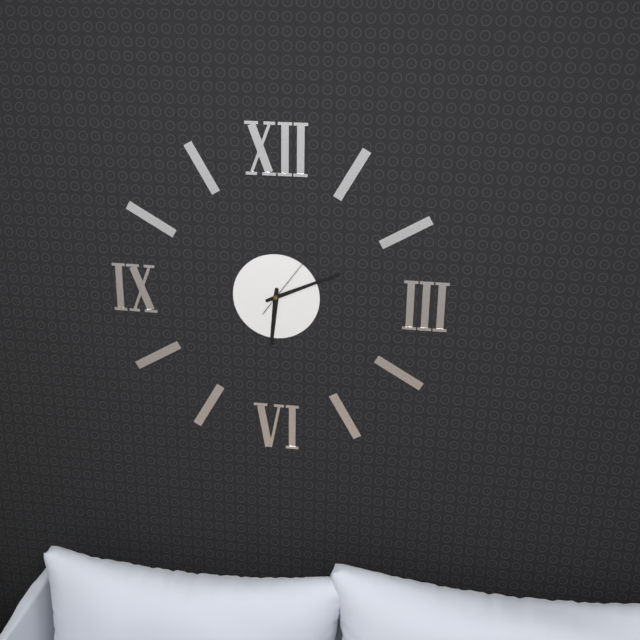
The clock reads 6h11m06s
